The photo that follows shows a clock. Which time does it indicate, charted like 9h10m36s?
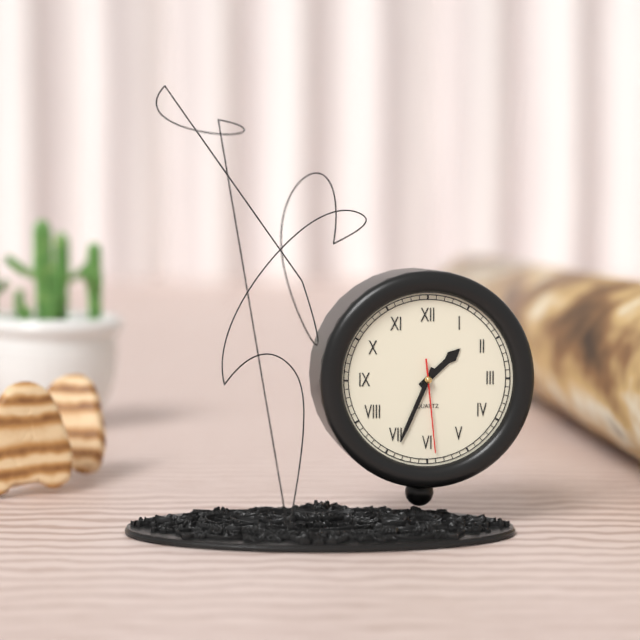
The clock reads 1h34m29s
